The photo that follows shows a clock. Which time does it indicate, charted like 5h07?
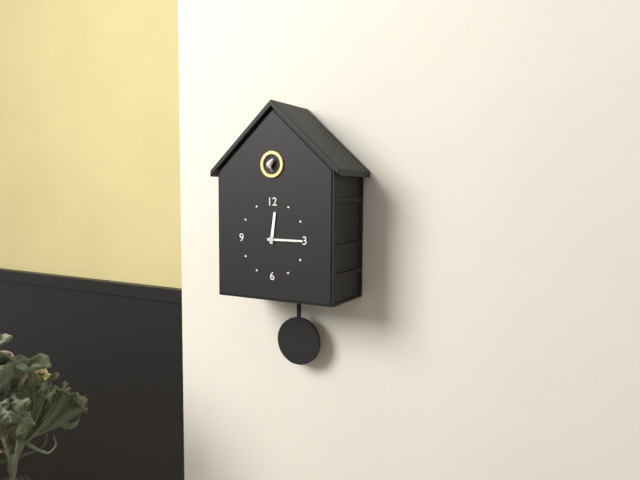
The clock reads 12h15
